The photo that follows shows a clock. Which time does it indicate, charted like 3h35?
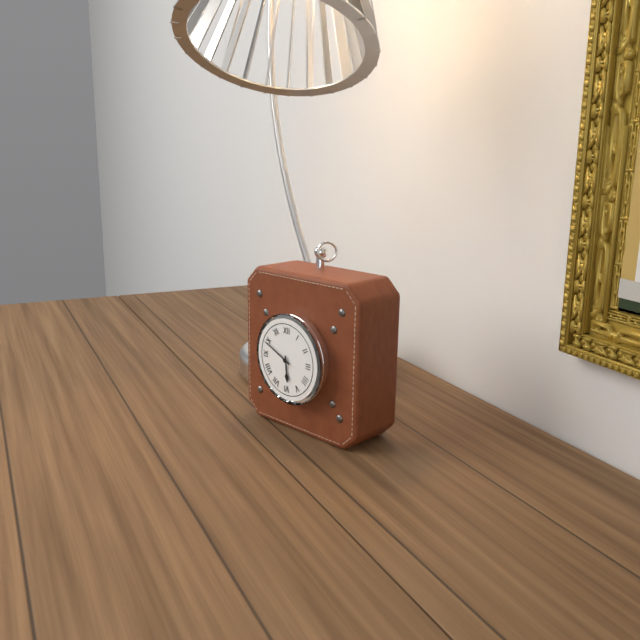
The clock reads 5h49
